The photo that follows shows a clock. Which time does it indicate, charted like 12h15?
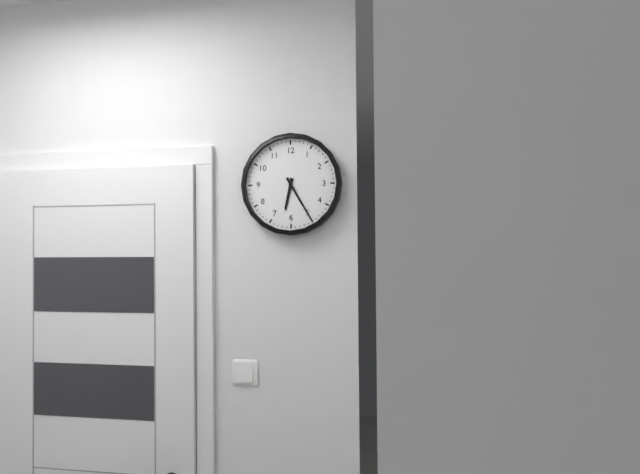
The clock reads 6h25
